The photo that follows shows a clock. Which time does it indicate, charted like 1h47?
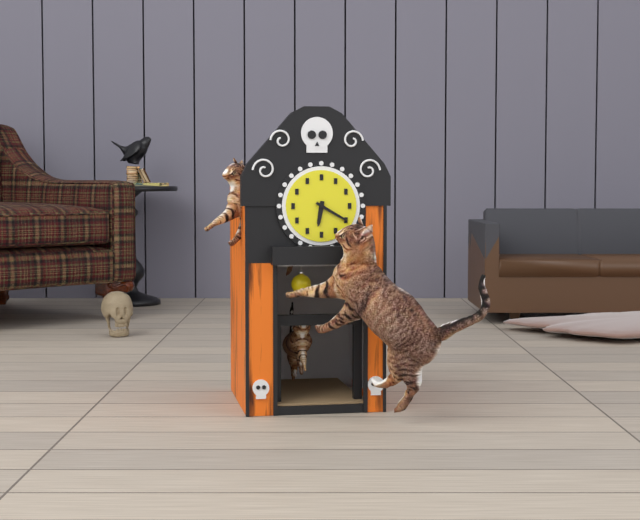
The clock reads 6h20
